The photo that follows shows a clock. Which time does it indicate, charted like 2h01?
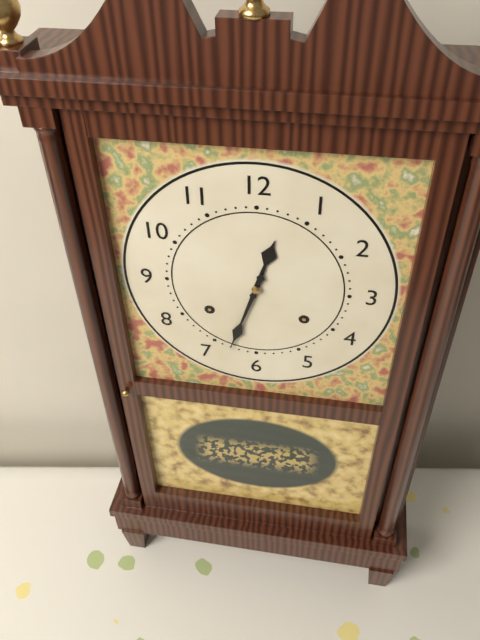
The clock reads 12h33
